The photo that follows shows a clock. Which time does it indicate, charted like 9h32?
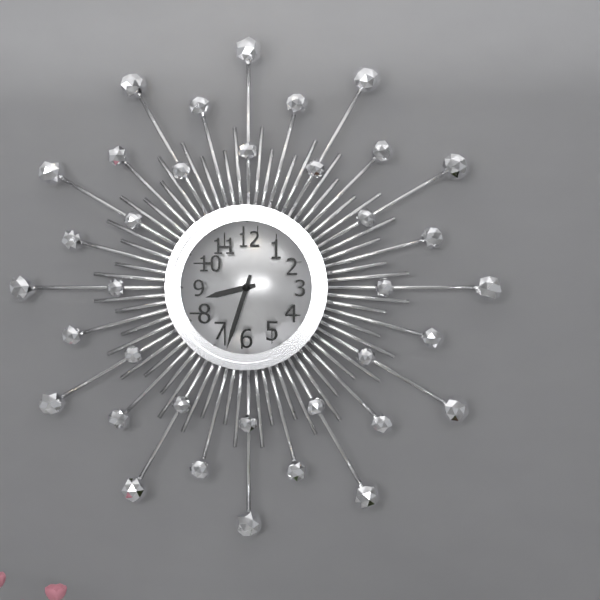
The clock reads 8h33
